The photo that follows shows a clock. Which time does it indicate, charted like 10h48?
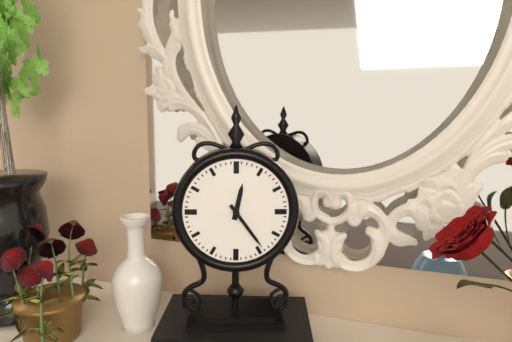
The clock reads 12h24
